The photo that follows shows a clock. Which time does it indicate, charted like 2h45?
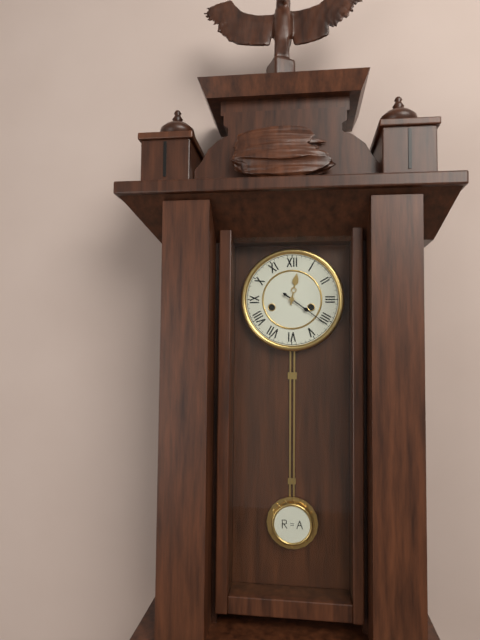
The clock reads 12h21
